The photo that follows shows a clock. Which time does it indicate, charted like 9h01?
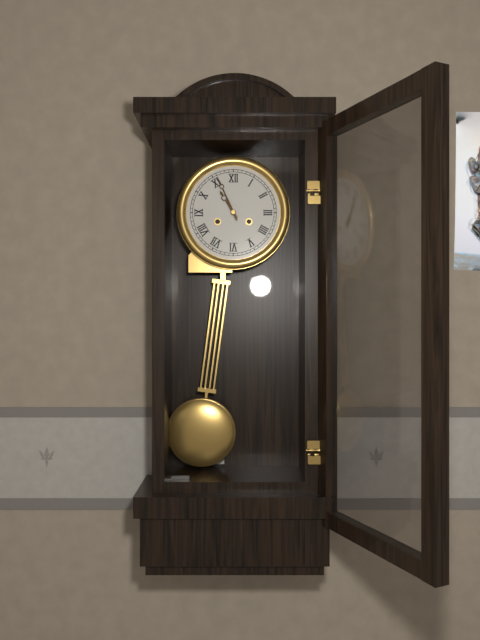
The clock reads 10h56
